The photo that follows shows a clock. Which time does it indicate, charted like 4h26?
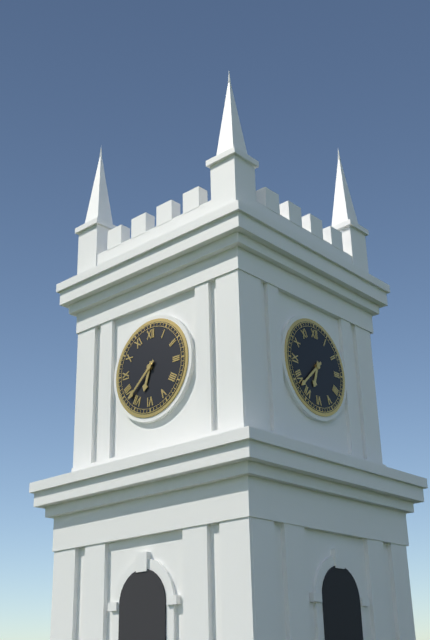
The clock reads 6h38
